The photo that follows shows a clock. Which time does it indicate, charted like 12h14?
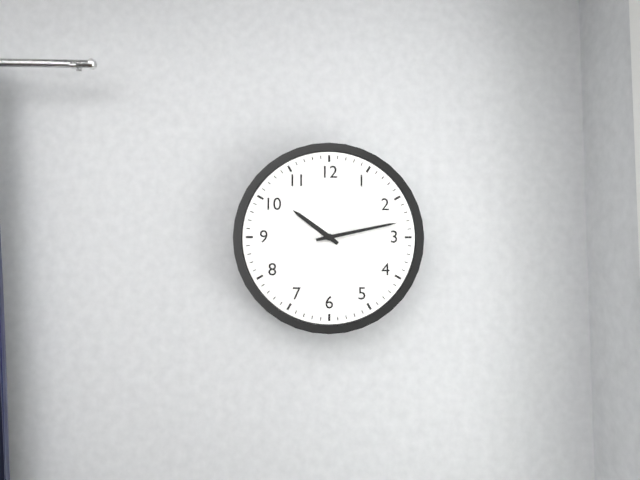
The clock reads 10h13
